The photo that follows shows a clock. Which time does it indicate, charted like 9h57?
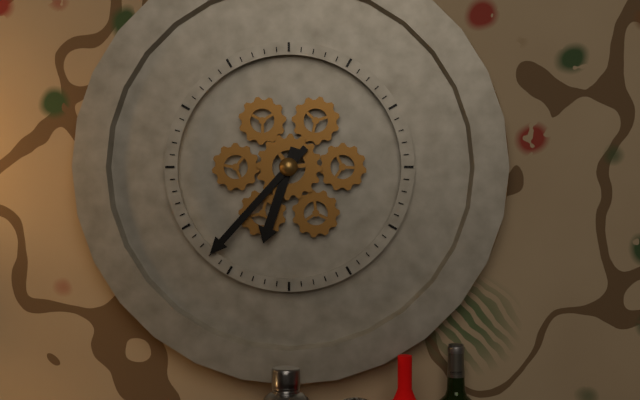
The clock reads 6h37
